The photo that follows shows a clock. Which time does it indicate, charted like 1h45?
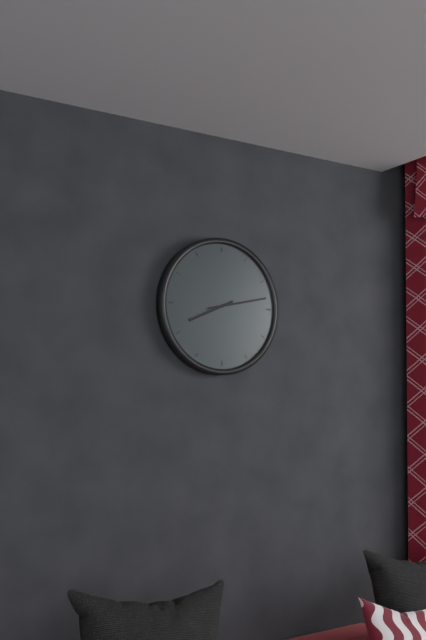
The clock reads 8h13
